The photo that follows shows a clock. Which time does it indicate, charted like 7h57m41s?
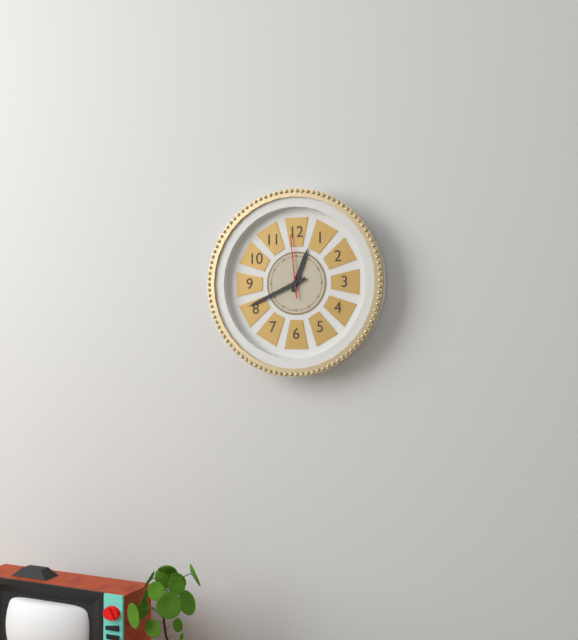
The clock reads 12h41m59s
